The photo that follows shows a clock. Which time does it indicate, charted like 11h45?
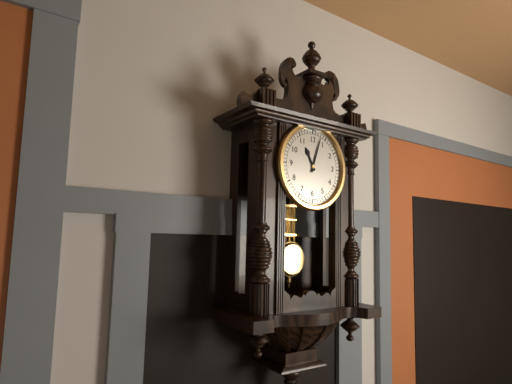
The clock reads 11h03
